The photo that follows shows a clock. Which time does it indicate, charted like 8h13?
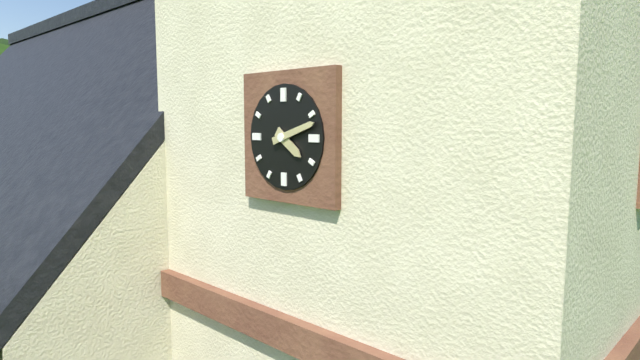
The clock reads 4h12
